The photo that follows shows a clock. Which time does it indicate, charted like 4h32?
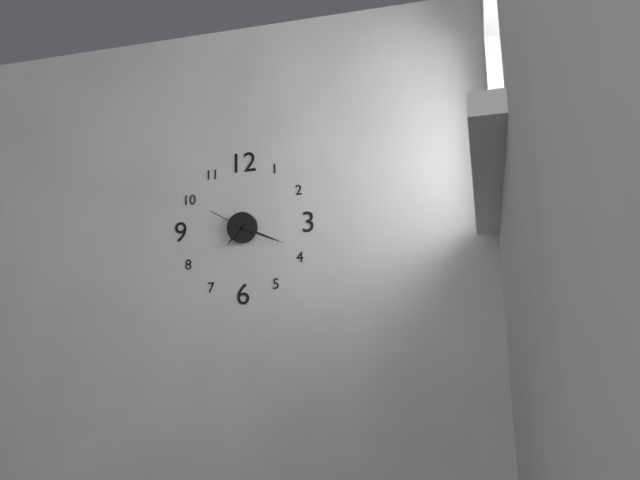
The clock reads 7h19
